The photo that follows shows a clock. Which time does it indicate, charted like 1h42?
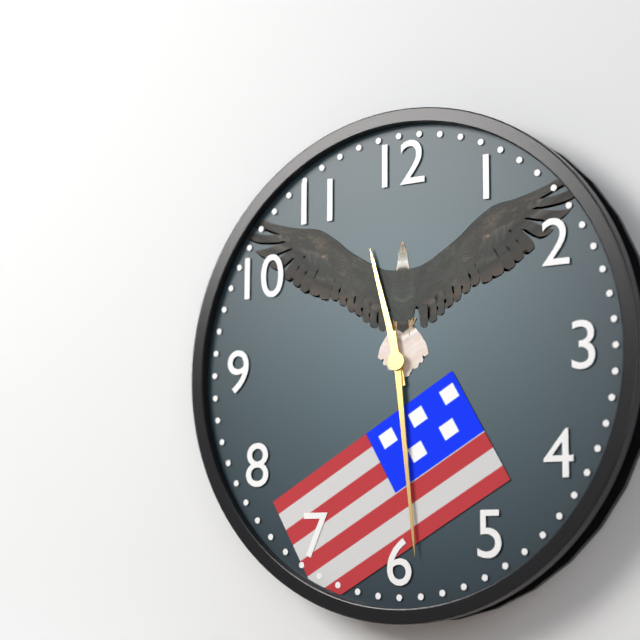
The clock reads 11h29
